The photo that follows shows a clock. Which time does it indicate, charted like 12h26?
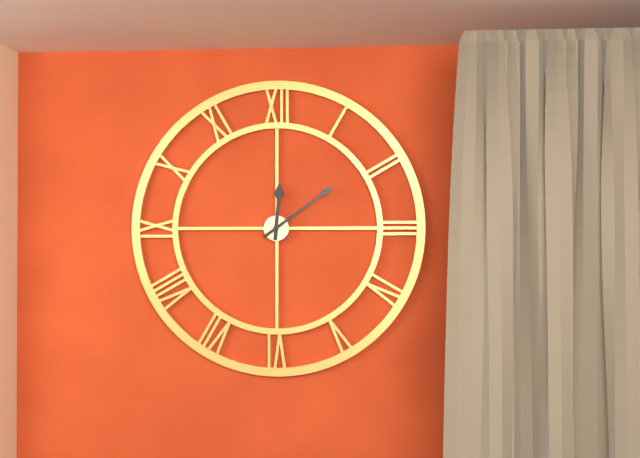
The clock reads 12h09
